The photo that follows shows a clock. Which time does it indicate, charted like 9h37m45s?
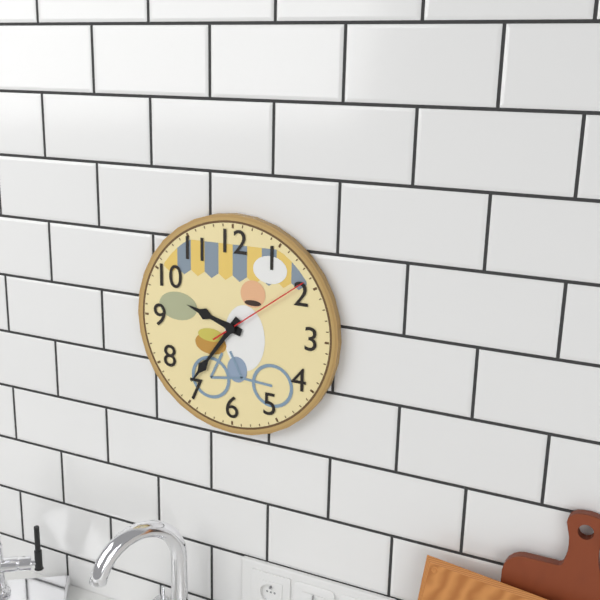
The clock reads 9h36m09s
